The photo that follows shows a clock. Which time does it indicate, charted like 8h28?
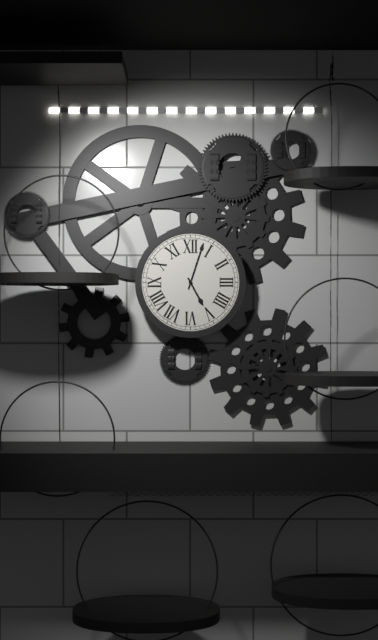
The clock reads 5h03
